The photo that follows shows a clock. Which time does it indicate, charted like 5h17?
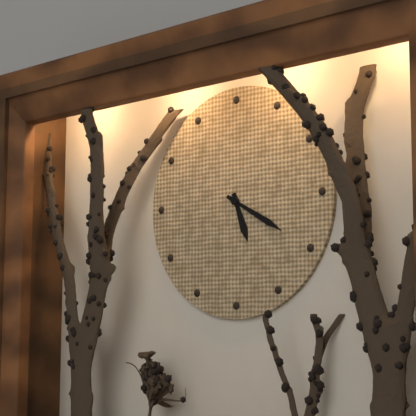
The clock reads 5h20
